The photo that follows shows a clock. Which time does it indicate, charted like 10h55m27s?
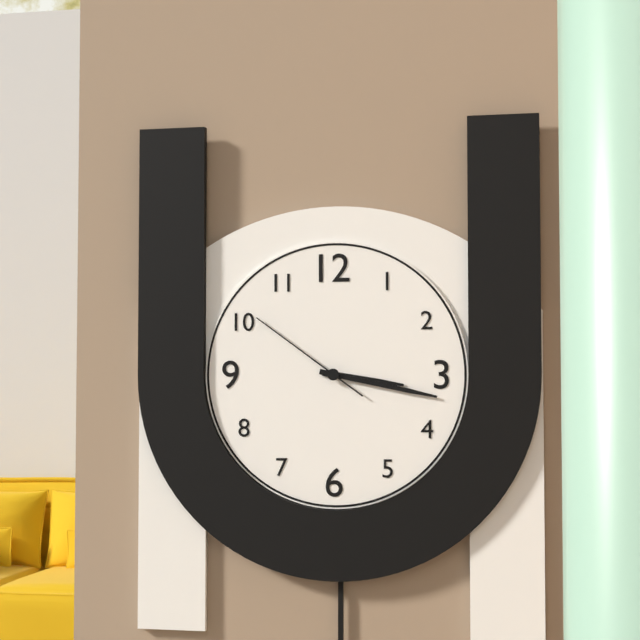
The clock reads 3h17m51s
